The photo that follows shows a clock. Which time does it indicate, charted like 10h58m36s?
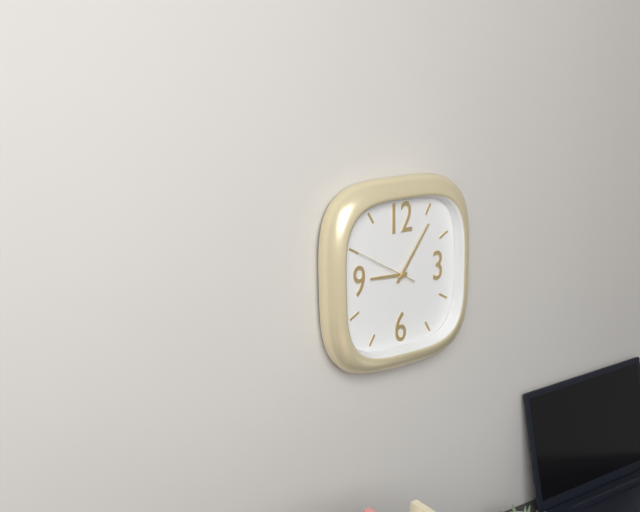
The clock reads 9h06m50s
